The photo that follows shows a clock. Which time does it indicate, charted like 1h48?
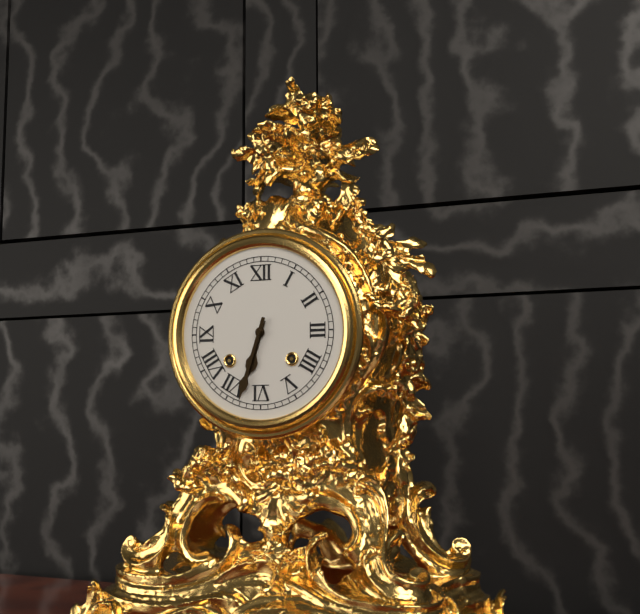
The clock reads 6h33
